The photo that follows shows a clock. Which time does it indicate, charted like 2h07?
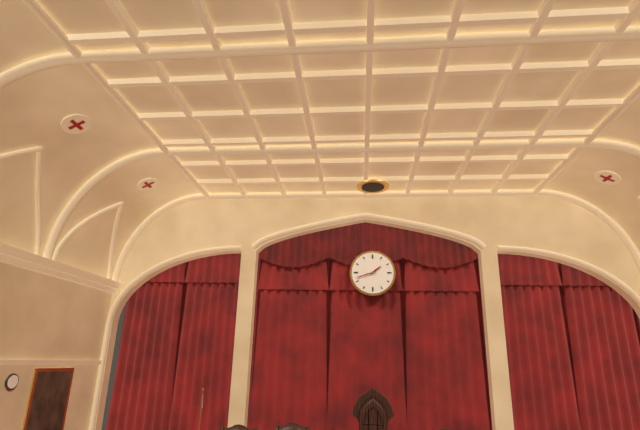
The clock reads 1h42
